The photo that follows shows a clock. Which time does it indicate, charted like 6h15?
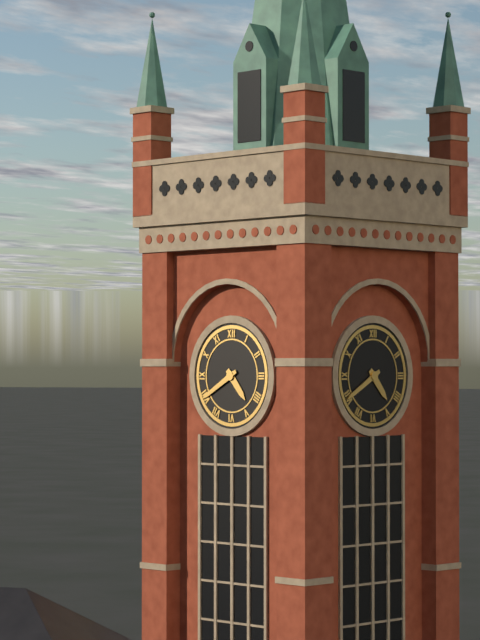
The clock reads 4h40
